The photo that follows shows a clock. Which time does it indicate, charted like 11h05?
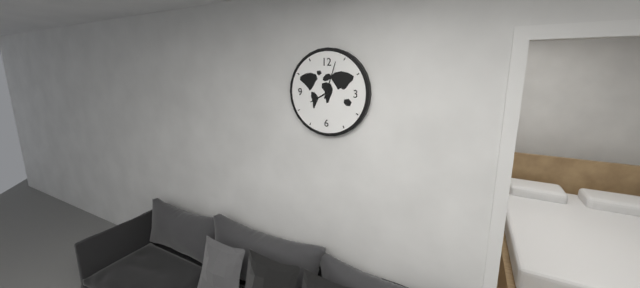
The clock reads 8h03
